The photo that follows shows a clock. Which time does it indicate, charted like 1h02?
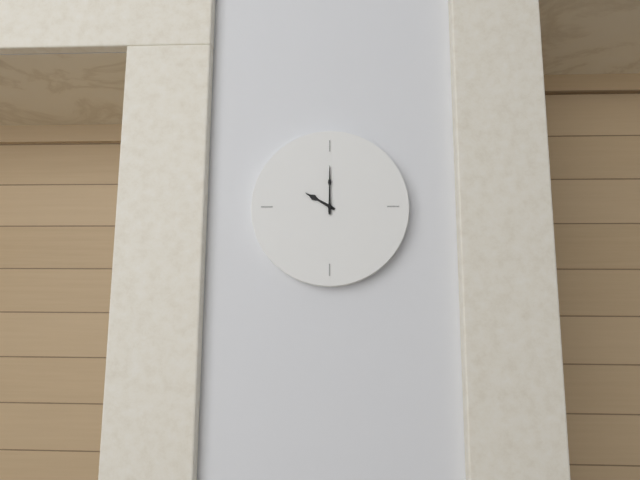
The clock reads 10h00
